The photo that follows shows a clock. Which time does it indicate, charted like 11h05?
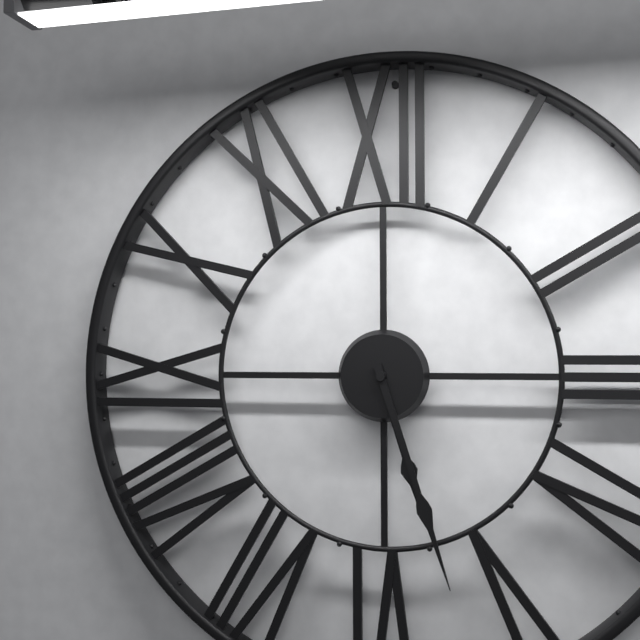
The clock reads 5h27
